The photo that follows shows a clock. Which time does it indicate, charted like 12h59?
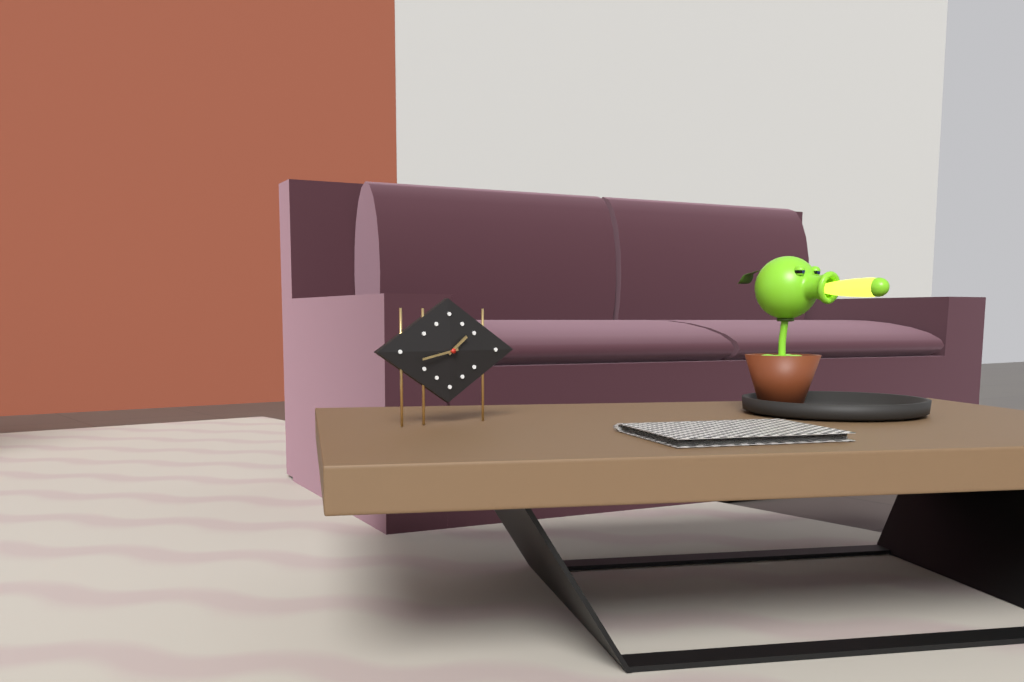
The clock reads 1h43
